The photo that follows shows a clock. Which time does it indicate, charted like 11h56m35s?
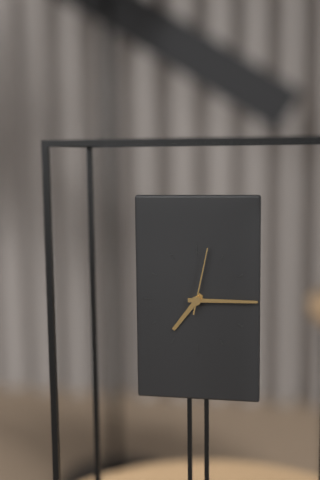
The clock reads 7h15m02s
